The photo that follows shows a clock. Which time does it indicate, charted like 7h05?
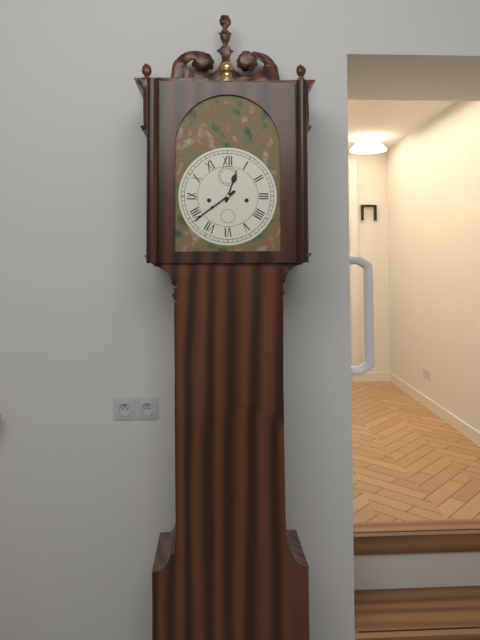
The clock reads 12h39
